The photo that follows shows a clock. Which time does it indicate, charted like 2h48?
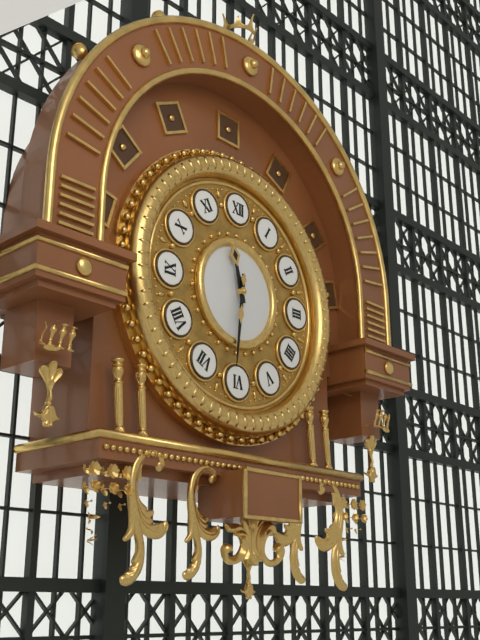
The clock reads 11h31
